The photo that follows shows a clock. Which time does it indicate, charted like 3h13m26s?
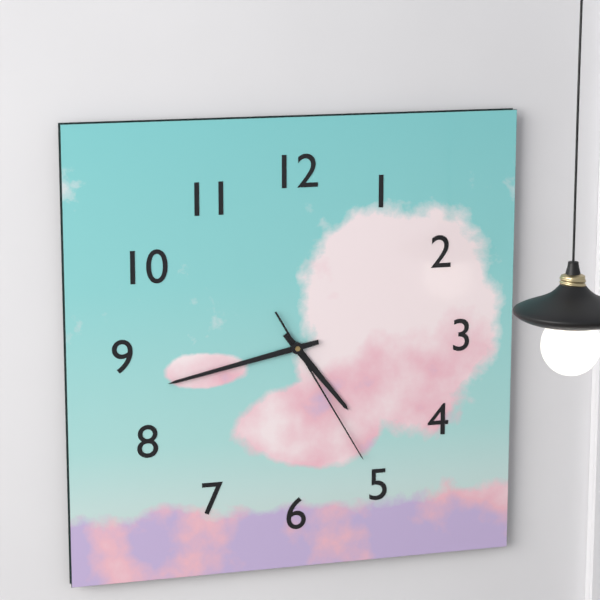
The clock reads 4h43m25s
